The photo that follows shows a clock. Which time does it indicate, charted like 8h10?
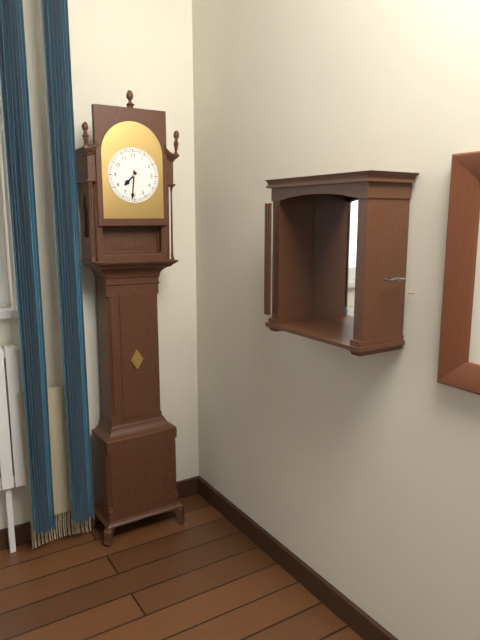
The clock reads 7h31
